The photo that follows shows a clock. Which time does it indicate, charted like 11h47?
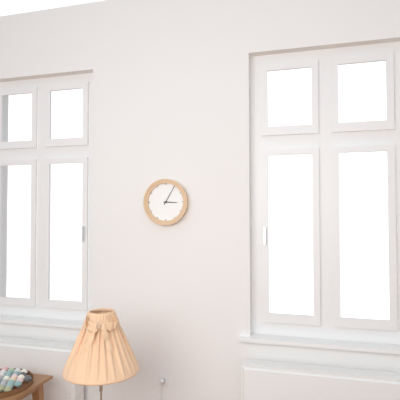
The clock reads 3h05
